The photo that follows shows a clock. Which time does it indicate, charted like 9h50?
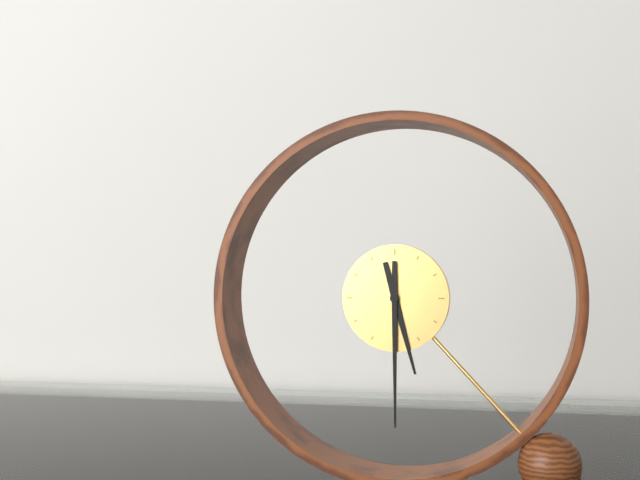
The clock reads 5h30
